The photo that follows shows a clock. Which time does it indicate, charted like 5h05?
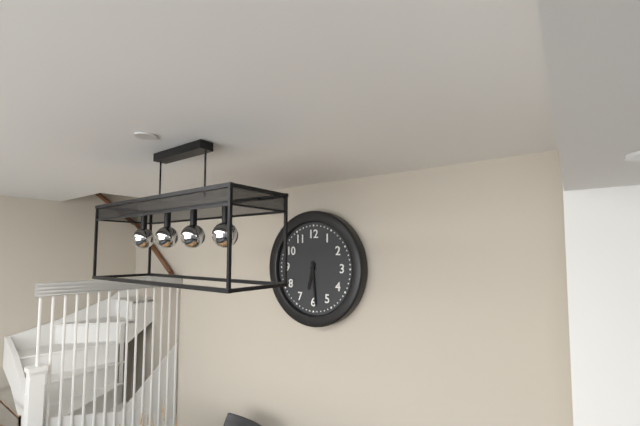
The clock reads 6h29
